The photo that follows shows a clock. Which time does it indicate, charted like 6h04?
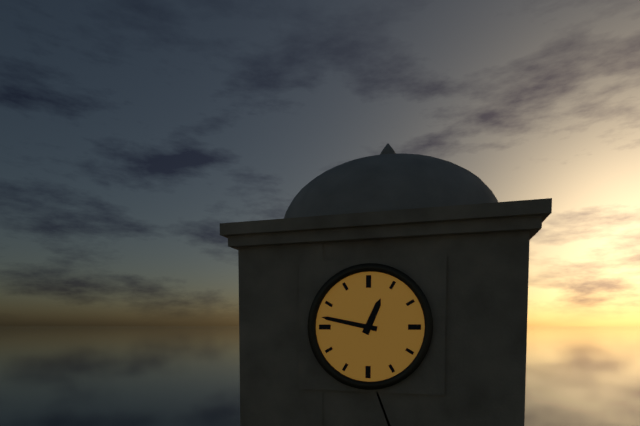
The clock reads 12h47
